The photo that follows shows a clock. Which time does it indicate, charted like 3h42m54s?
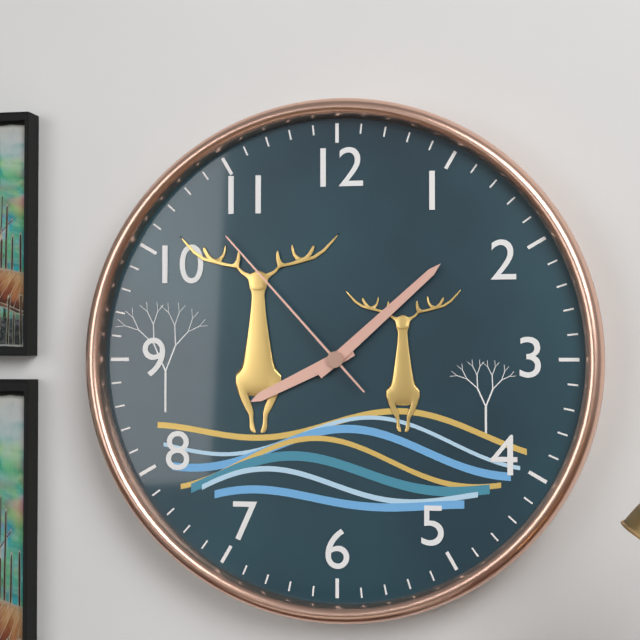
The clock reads 8h08m53s
